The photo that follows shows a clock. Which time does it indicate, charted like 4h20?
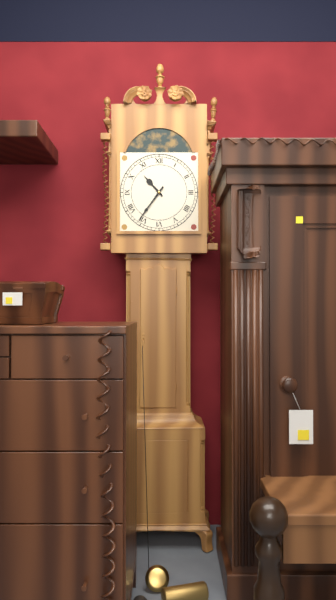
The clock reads 10h36
